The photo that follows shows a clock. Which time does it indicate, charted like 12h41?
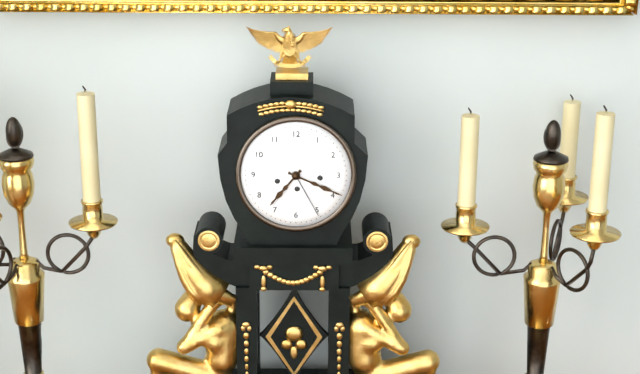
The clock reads 7h19
